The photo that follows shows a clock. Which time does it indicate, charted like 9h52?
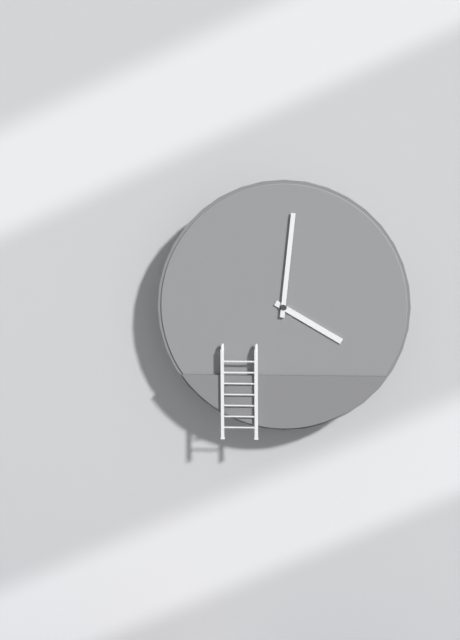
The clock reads 4h01
